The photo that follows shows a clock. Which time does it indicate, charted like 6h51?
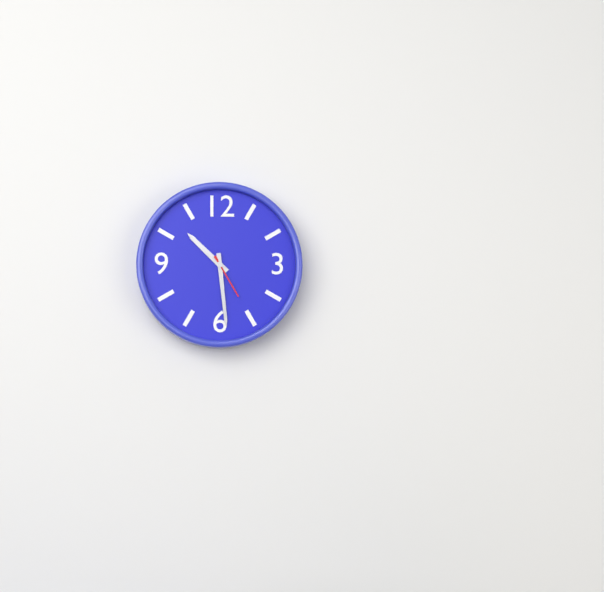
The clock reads 10h29
